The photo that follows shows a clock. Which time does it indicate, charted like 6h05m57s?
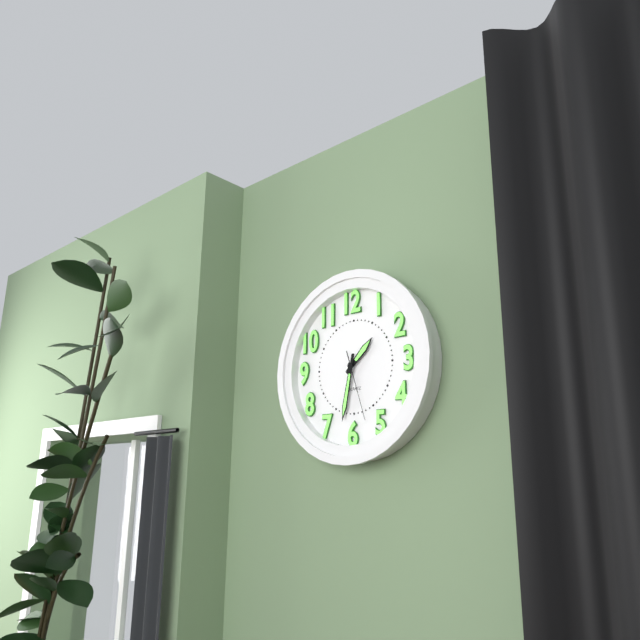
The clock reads 1h32m27s
